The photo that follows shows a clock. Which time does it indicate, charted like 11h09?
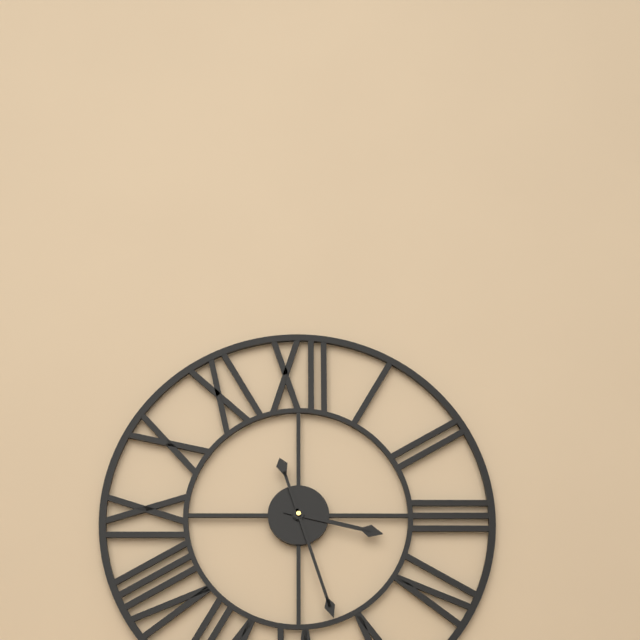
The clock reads 3h27
